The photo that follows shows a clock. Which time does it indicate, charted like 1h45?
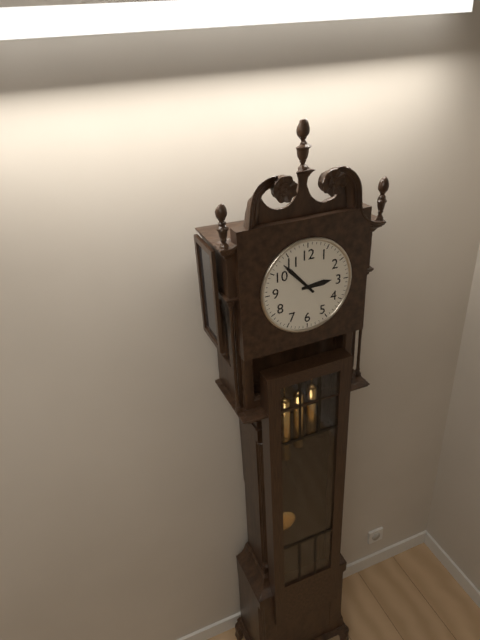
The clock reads 2h53
